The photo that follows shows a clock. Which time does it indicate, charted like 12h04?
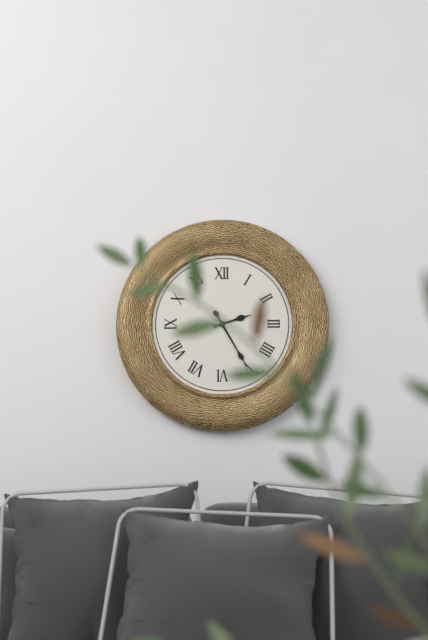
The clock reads 2h25
